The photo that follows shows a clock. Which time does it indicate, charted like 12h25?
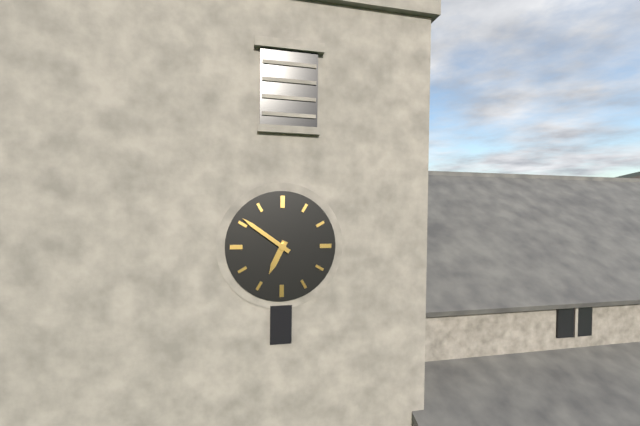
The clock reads 6h51
